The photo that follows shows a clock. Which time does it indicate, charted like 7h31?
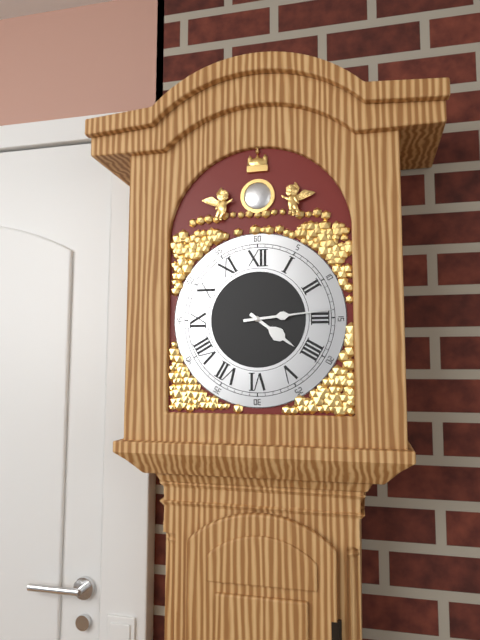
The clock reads 4h14
